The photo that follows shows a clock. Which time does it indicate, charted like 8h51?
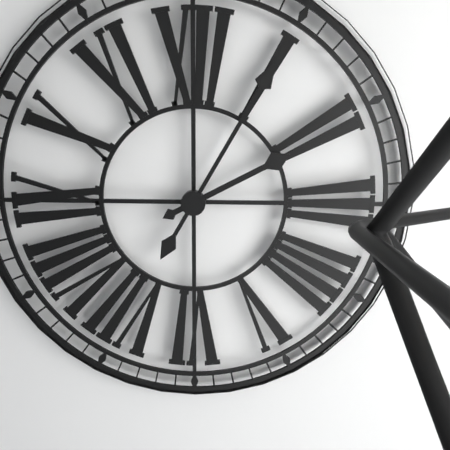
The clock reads 2h05
